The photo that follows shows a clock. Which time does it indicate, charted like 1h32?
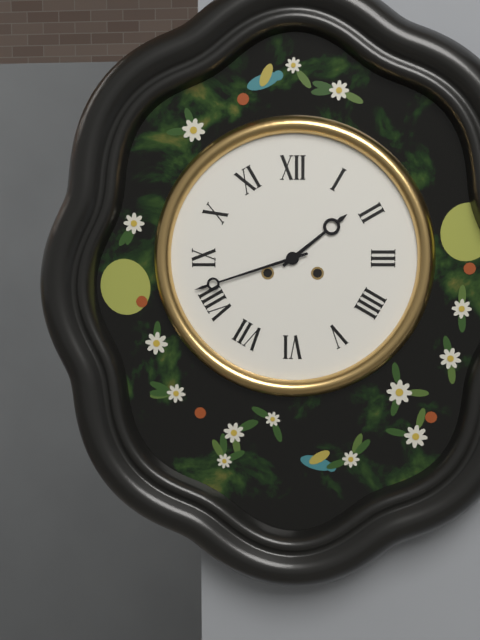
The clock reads 1h42
